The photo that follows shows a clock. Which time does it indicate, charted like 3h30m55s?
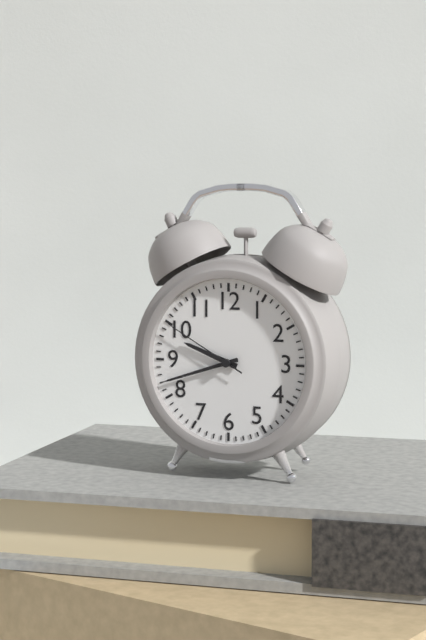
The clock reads 9h42m50s
